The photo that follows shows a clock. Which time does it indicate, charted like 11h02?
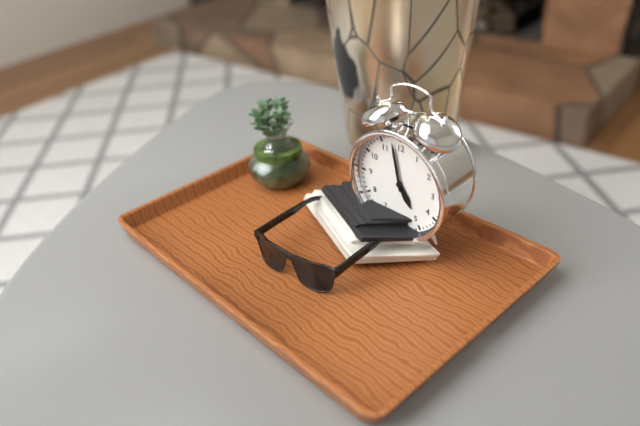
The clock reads 4h58
